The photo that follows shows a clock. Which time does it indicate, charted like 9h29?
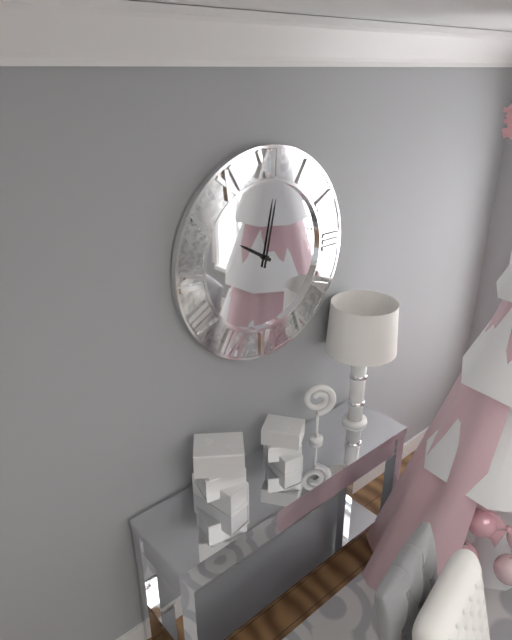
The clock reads 10h02
